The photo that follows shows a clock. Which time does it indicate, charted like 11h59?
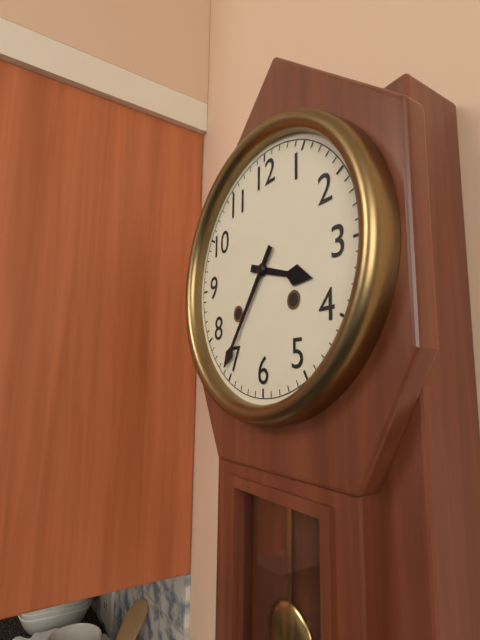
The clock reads 3h36
